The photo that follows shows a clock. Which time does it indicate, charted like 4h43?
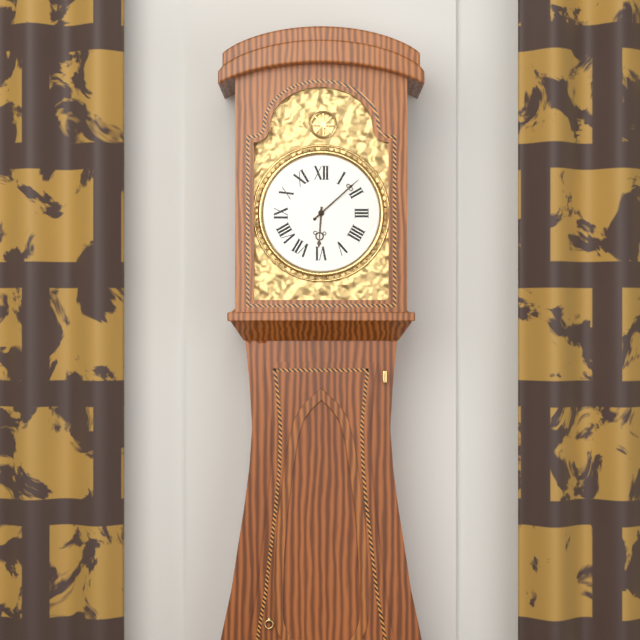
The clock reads 6h08
